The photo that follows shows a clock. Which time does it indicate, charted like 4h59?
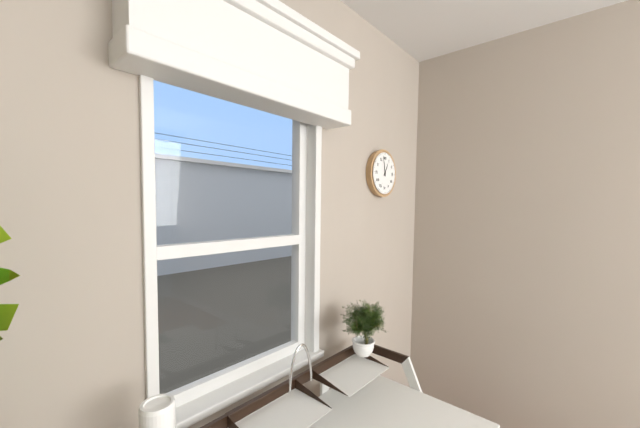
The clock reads 12h58
